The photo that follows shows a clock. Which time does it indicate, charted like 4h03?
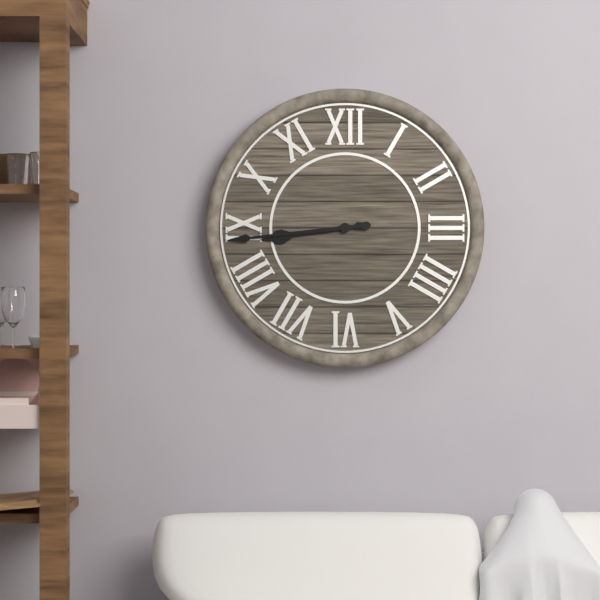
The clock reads 8h44
